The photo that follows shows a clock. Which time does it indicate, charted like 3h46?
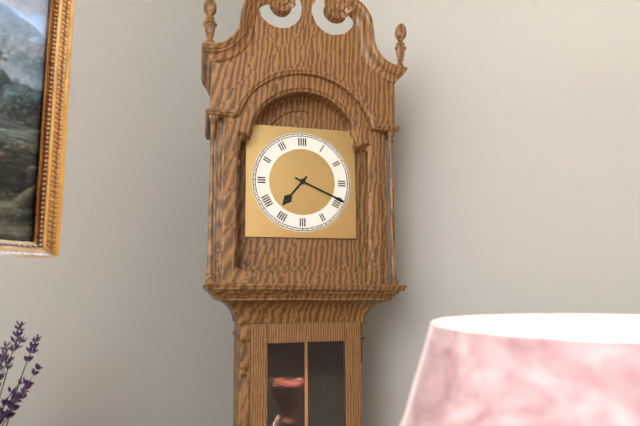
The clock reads 7h19
